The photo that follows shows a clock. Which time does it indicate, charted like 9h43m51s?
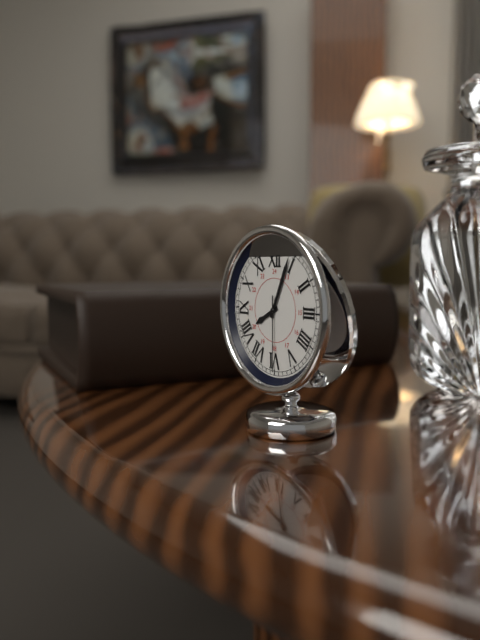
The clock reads 8h04m30s
